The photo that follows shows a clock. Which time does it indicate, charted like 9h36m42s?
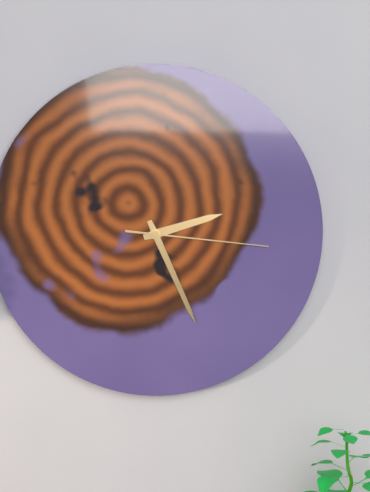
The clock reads 2h26m16s
